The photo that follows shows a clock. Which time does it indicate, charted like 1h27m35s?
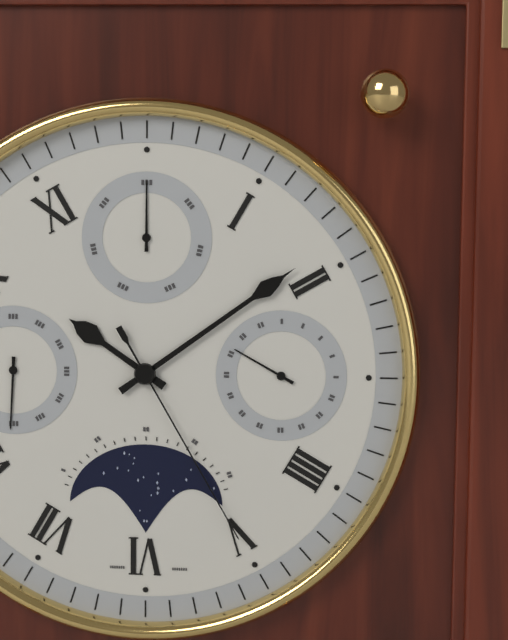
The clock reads 10h09m25s
